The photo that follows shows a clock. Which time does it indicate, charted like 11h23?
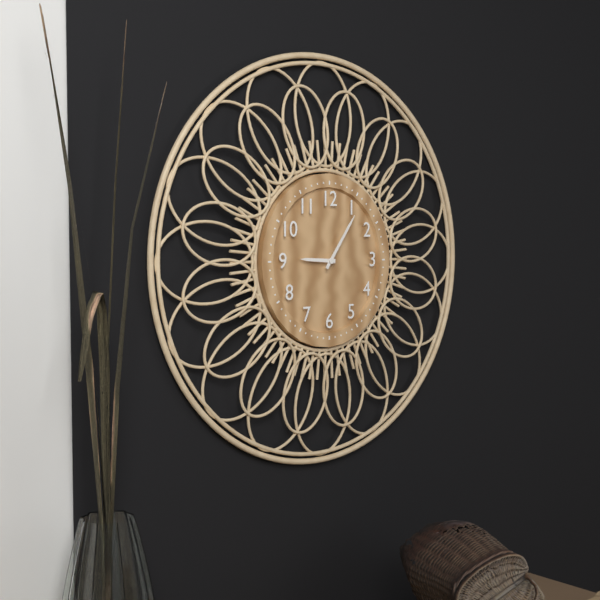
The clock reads 9h06
